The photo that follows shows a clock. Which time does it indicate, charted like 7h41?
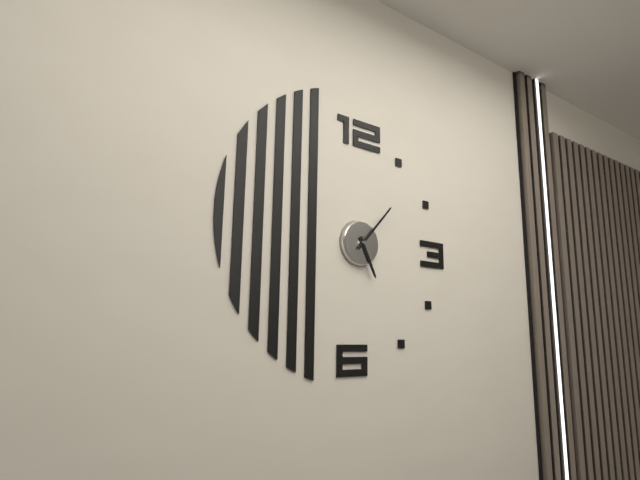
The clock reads 5h07
